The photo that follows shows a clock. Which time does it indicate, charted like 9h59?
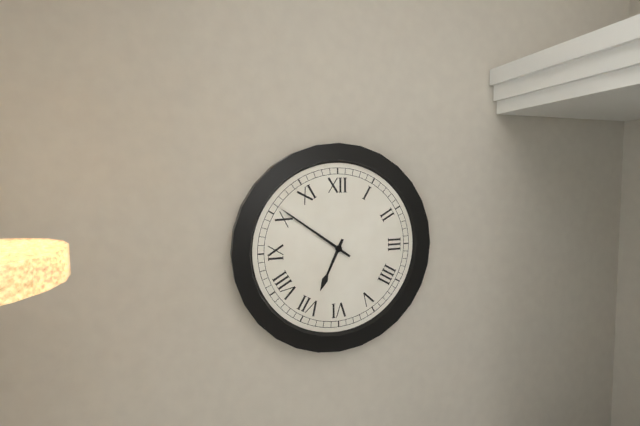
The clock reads 6h51
